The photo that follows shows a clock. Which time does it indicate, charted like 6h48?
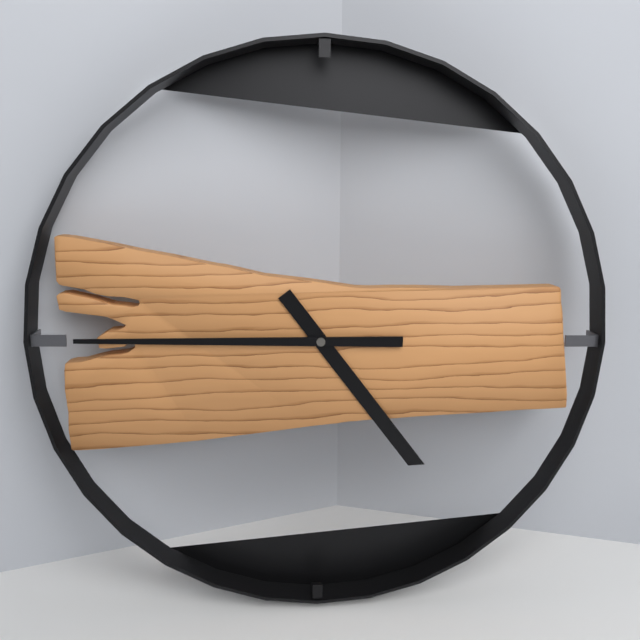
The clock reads 4h45
